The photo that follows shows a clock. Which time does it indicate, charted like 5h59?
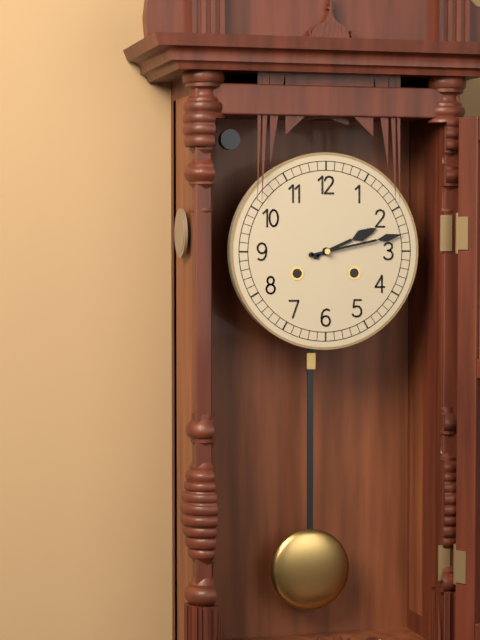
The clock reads 2h13
